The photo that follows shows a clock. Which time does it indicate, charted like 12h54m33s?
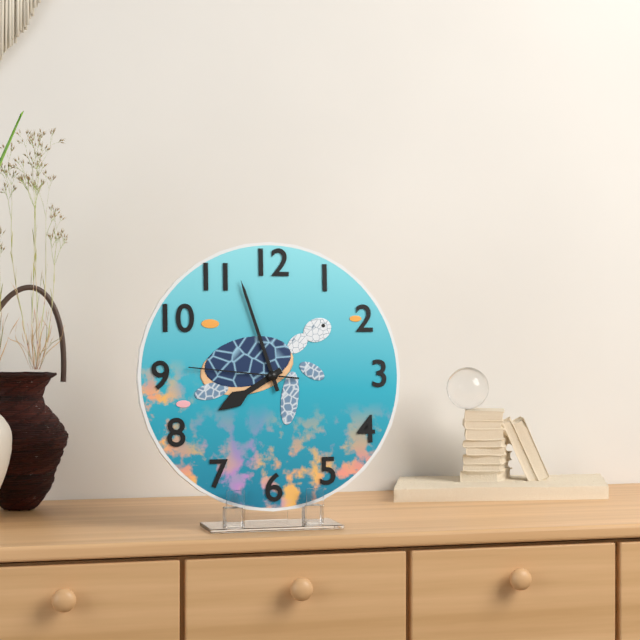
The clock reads 7h57m46s
